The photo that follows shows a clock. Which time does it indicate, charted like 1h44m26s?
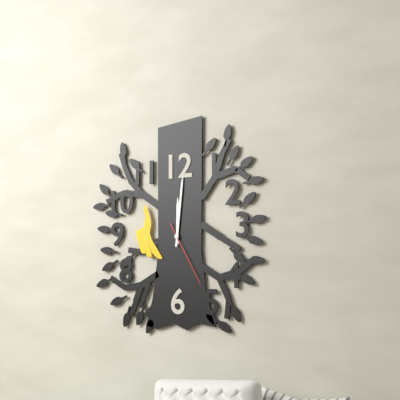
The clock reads 12h01m25s
